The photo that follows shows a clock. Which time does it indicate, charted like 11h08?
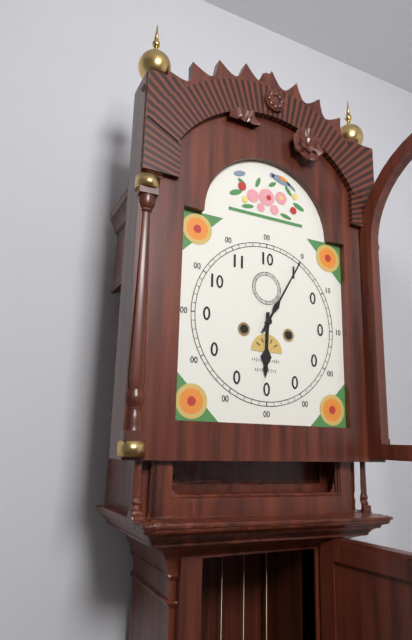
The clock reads 6h05
